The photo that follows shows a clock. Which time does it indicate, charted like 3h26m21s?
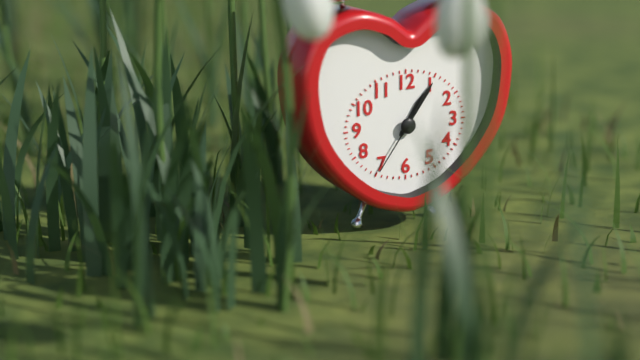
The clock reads 1h06m36s
